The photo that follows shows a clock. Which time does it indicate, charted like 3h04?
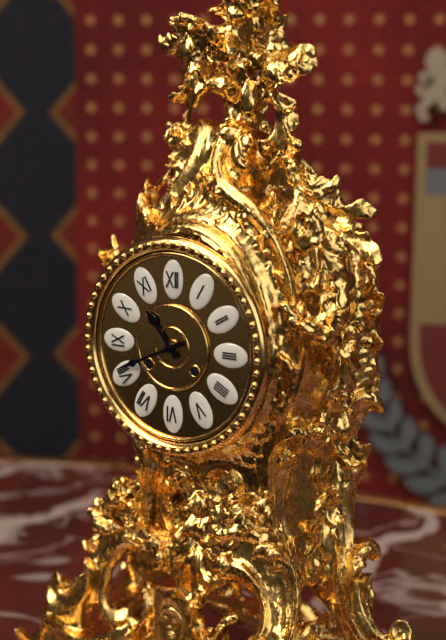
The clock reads 10h41
